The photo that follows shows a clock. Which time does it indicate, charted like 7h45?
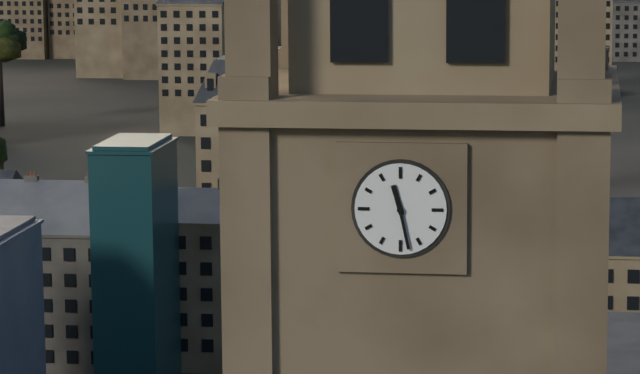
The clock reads 11h28
